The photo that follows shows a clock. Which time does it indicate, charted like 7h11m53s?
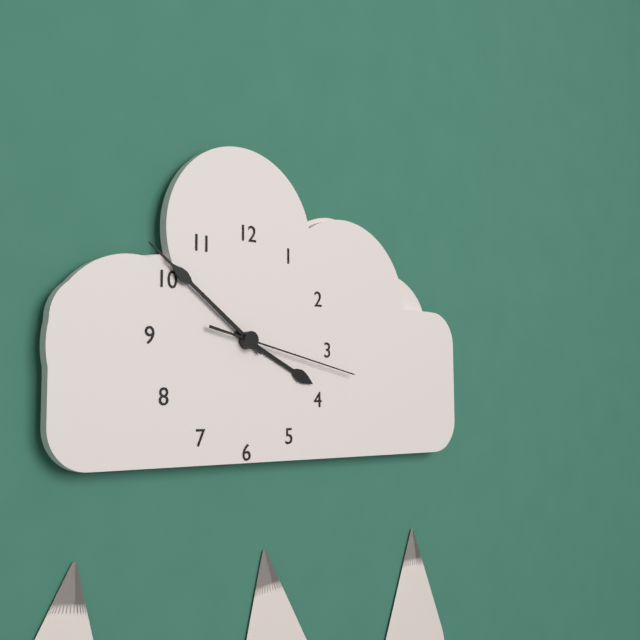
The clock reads 3h51m17s
